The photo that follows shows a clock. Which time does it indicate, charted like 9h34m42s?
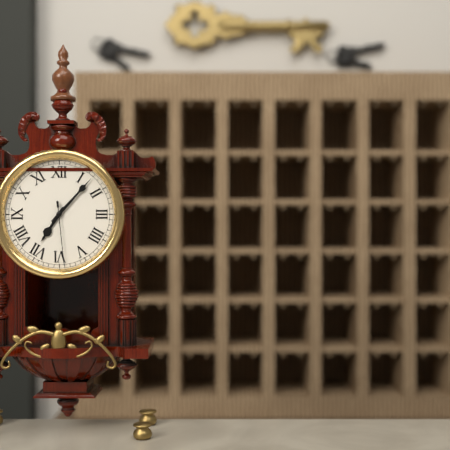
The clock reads 7h07m29s
